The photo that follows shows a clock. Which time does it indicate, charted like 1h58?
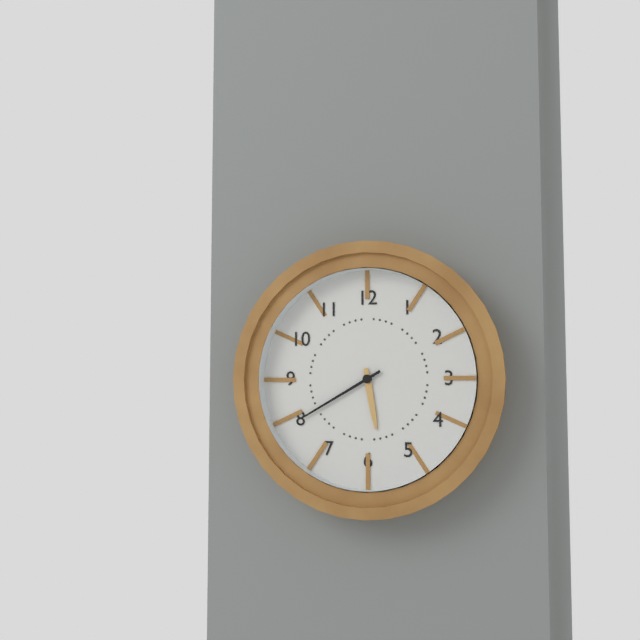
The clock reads 5h40
